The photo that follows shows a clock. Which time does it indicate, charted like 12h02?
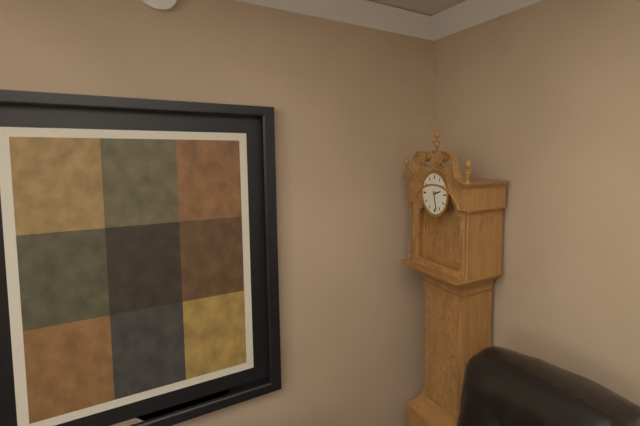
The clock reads 2h28
